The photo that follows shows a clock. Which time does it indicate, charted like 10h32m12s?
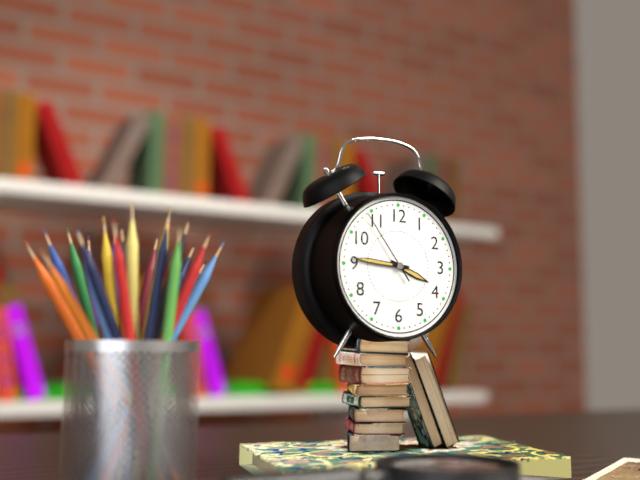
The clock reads 3h46m54s
